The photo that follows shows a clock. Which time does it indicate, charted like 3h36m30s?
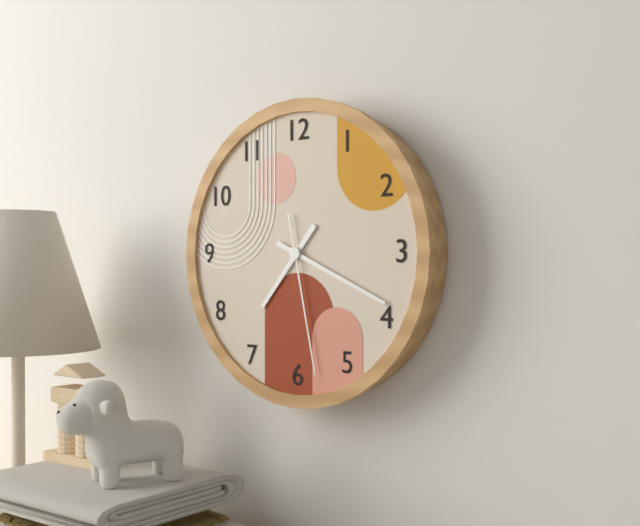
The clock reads 7h19m28s
